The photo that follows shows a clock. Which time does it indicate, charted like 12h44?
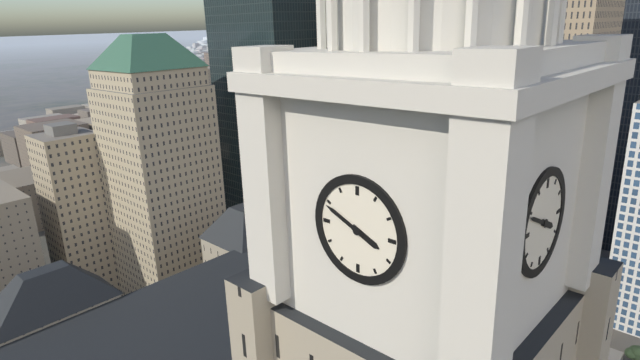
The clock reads 3h49
